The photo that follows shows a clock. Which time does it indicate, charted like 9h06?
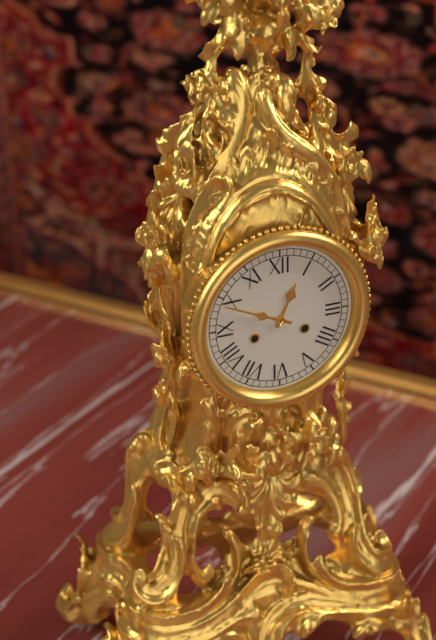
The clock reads 12h49
